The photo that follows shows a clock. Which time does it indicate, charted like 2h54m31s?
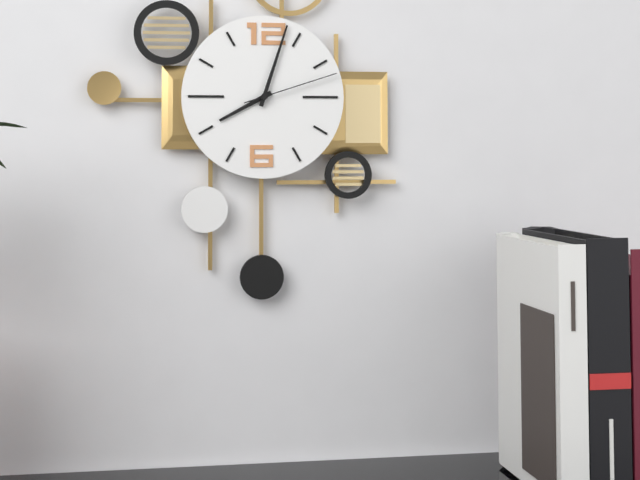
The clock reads 8h03m12s
